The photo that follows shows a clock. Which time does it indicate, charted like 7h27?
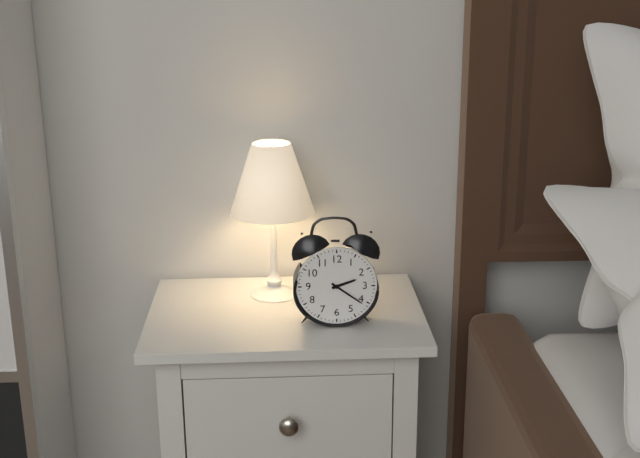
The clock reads 2h21
